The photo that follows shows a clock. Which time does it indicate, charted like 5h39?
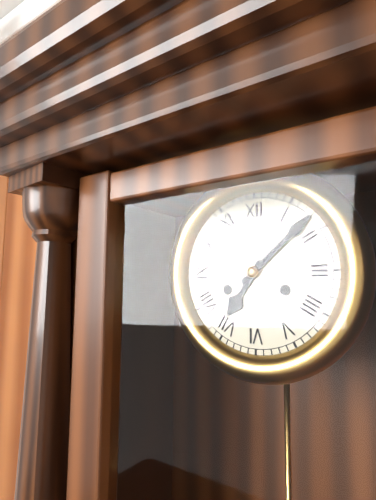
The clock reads 7h08
